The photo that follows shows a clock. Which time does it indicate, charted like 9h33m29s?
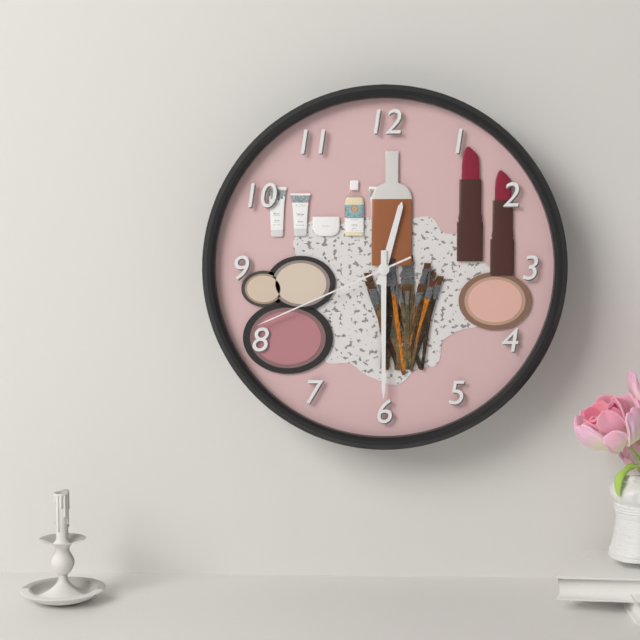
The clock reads 12h30m41s
